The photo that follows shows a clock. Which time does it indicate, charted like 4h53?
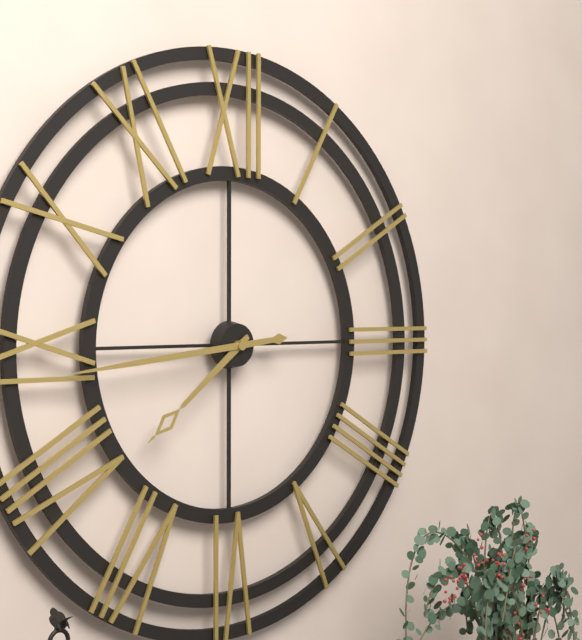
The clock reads 7h44
